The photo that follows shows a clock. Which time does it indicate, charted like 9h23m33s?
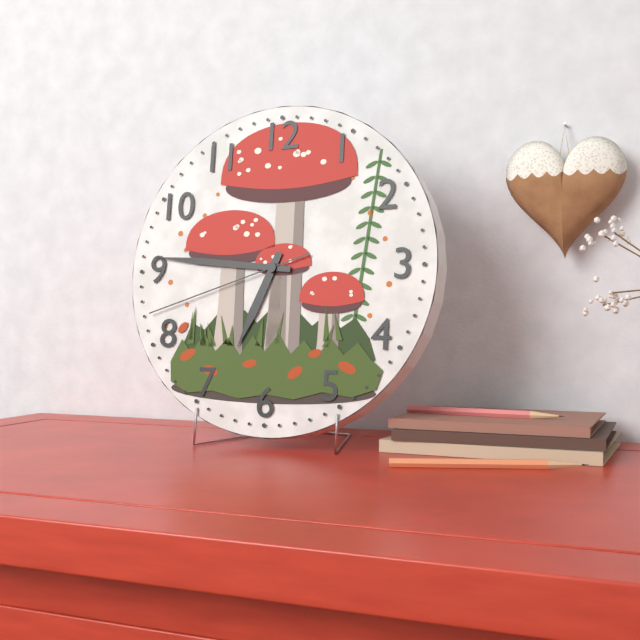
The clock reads 6h46m42s
